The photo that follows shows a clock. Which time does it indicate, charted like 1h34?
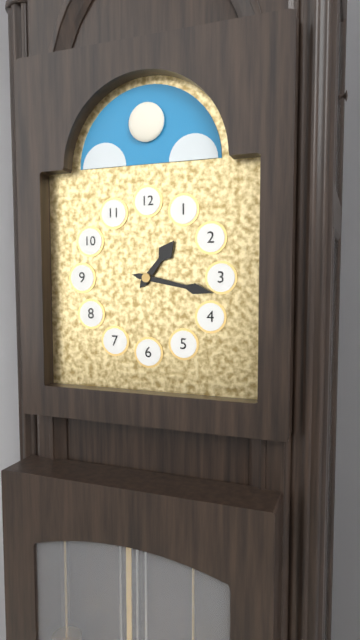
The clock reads 1h17
